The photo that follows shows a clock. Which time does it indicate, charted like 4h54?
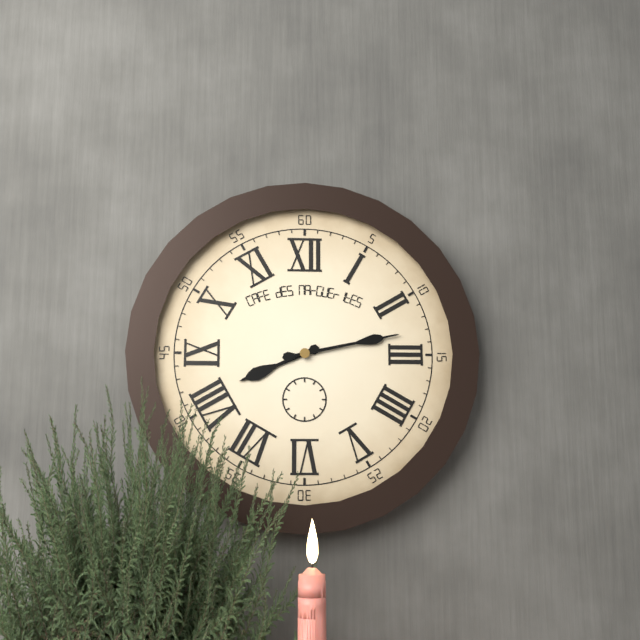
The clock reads 8h13
